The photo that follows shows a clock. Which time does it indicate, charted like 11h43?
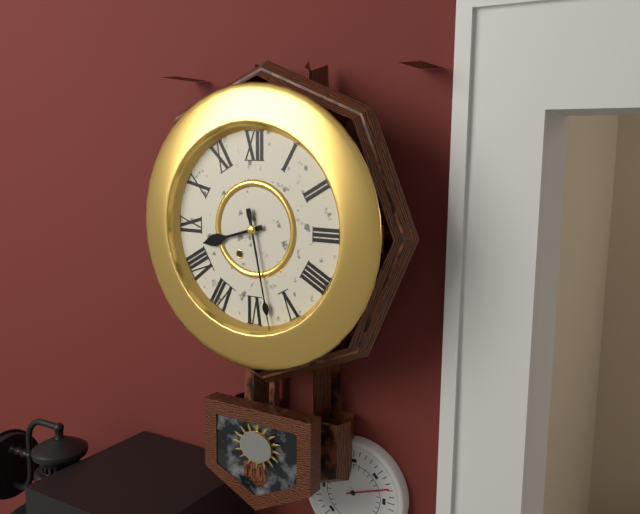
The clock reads 8h28
